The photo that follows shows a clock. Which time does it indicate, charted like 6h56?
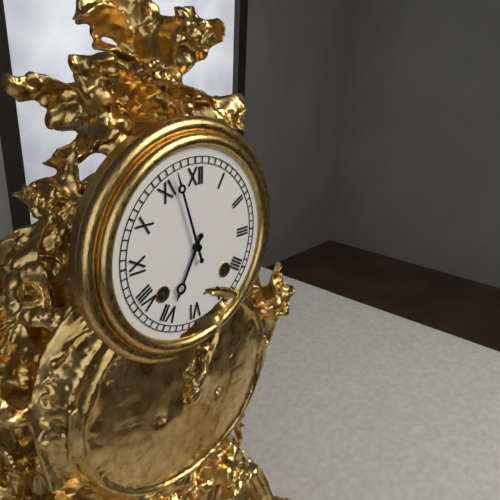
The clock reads 6h57
